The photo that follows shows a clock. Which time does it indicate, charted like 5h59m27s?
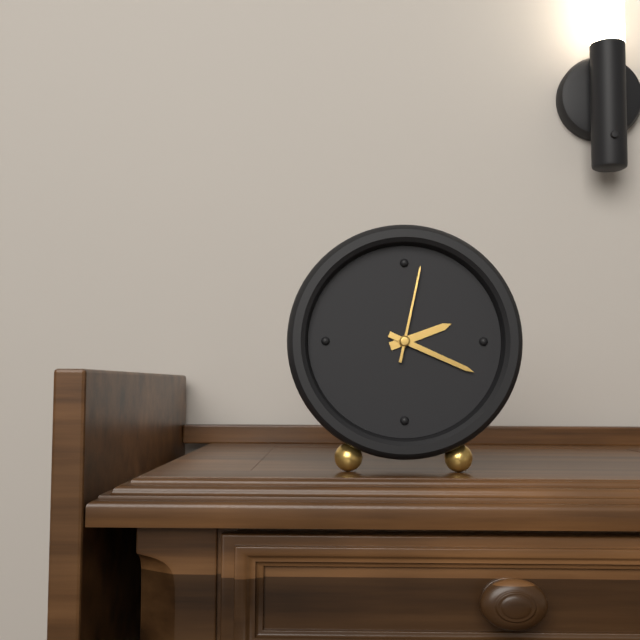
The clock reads 2h19m02s
